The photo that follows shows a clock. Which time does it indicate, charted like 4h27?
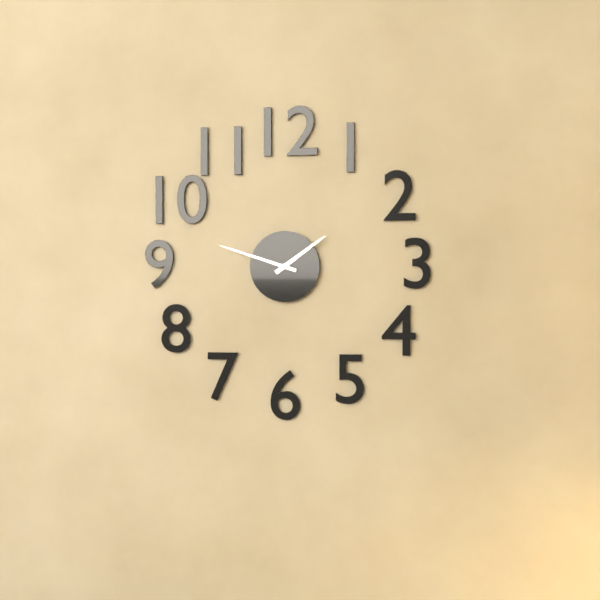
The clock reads 1h48
